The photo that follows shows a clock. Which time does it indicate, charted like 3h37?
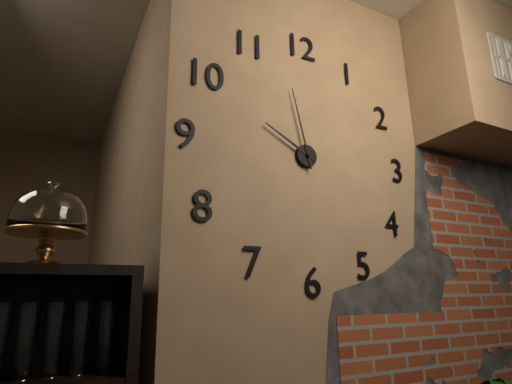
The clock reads 9h58
